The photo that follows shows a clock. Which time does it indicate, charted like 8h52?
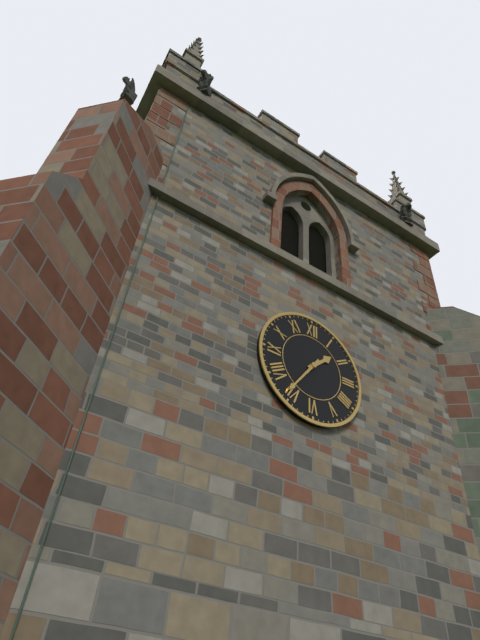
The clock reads 1h36
